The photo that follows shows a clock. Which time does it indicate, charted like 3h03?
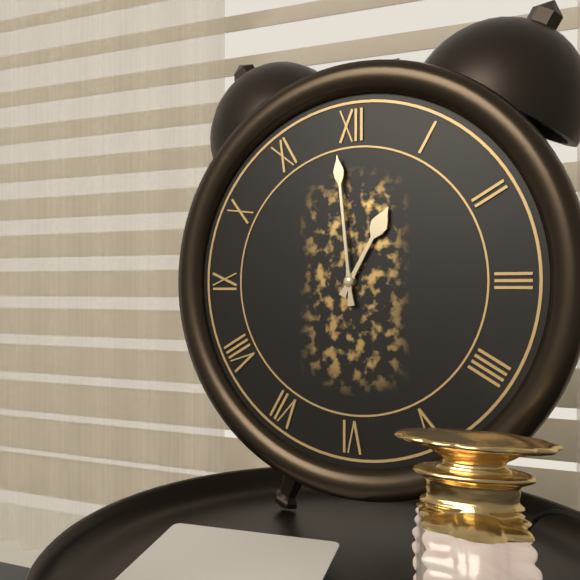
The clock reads 12h59
